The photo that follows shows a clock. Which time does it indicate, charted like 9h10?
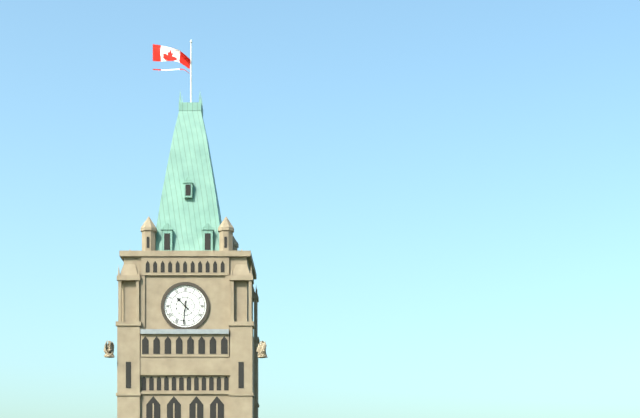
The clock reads 10h31
